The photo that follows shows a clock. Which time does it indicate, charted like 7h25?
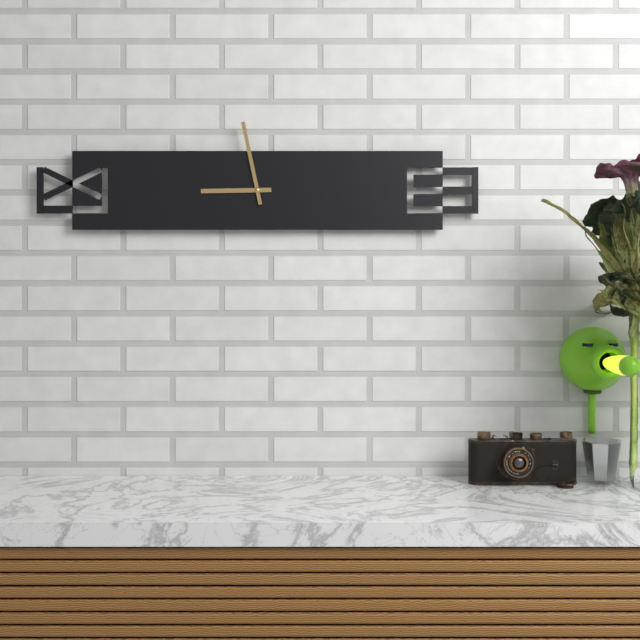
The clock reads 8h58
